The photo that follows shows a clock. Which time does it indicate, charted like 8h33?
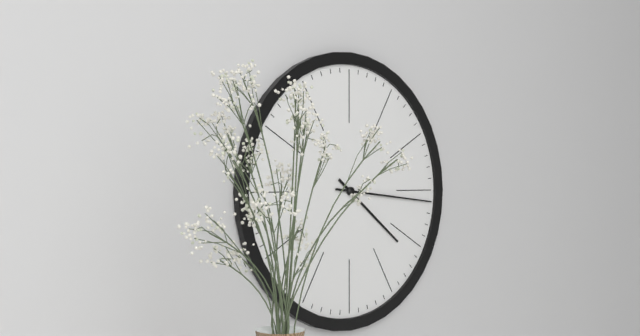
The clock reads 4h16
